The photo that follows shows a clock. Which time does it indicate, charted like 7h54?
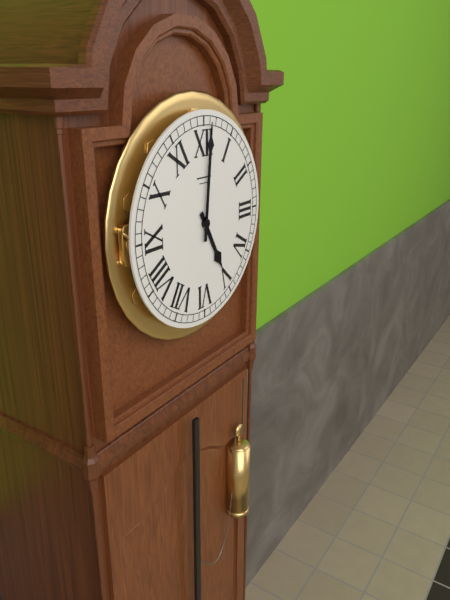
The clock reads 5h01
